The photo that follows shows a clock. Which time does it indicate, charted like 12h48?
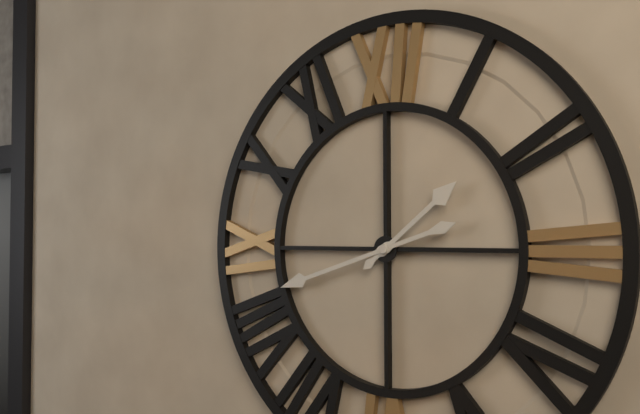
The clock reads 1h42
